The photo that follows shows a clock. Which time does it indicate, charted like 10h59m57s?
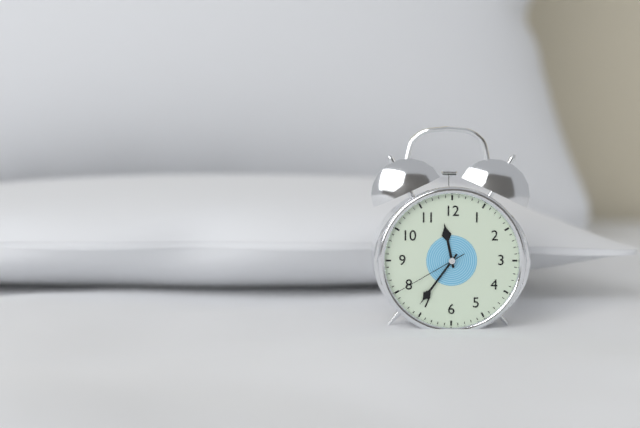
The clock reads 11h36m40s
